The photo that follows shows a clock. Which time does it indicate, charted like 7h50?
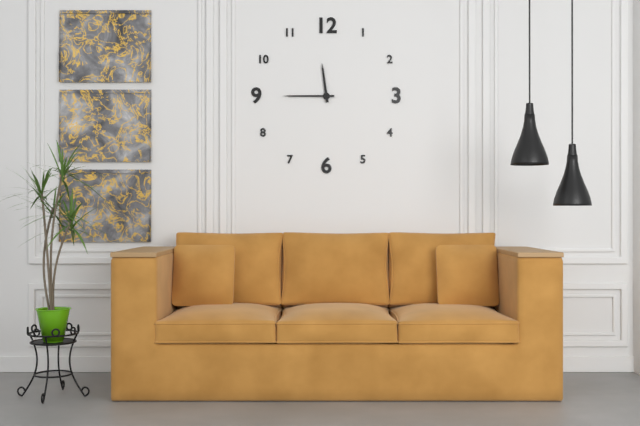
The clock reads 11h45
